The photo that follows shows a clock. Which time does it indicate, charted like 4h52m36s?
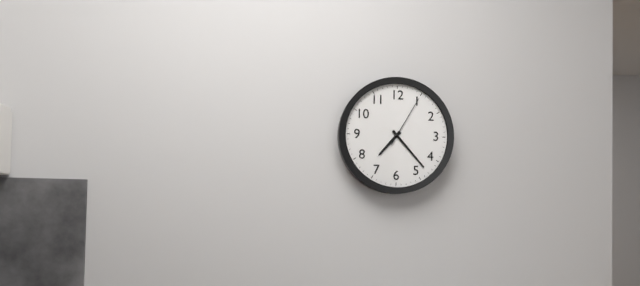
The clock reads 7h23m05s
